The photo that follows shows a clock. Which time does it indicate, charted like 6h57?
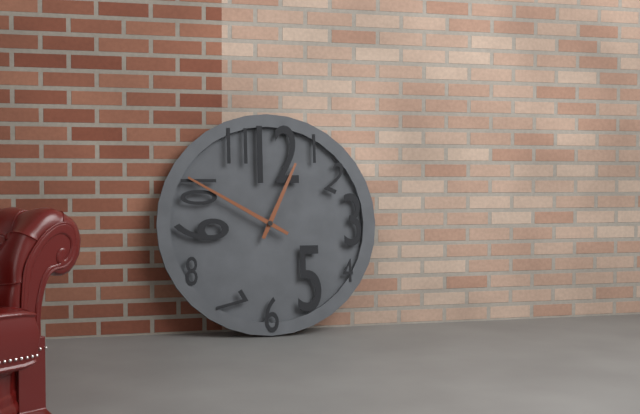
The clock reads 12h50
